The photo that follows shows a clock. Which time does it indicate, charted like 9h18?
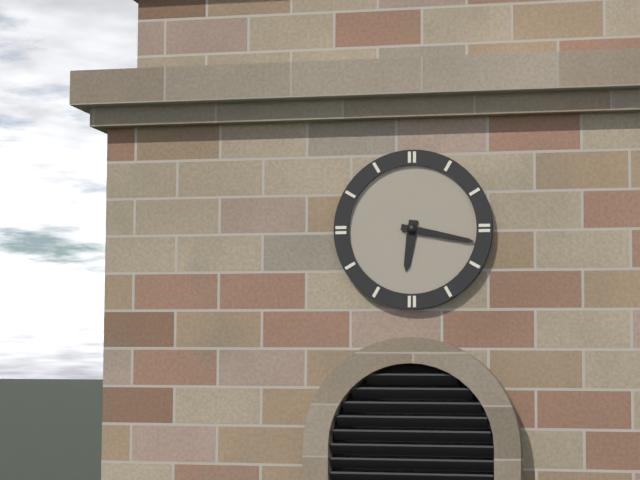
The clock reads 6h17
